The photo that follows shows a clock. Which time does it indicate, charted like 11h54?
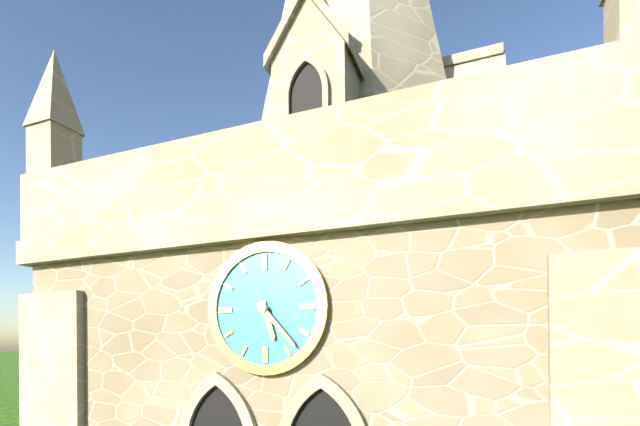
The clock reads 5h23
